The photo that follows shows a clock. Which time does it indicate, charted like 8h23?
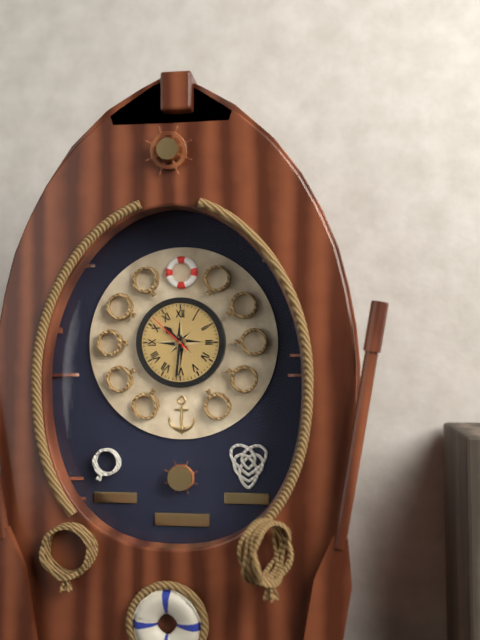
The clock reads 10h31
